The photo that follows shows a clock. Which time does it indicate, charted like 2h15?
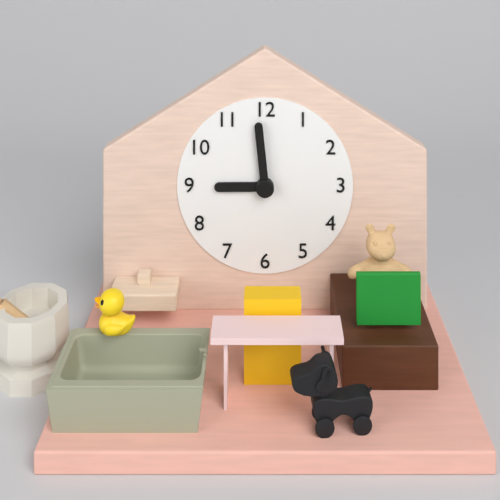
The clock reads 8h59
